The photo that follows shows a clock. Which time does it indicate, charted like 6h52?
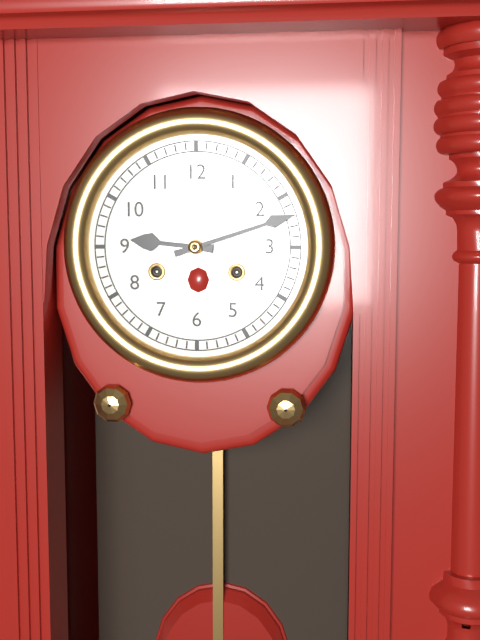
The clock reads 9h12
